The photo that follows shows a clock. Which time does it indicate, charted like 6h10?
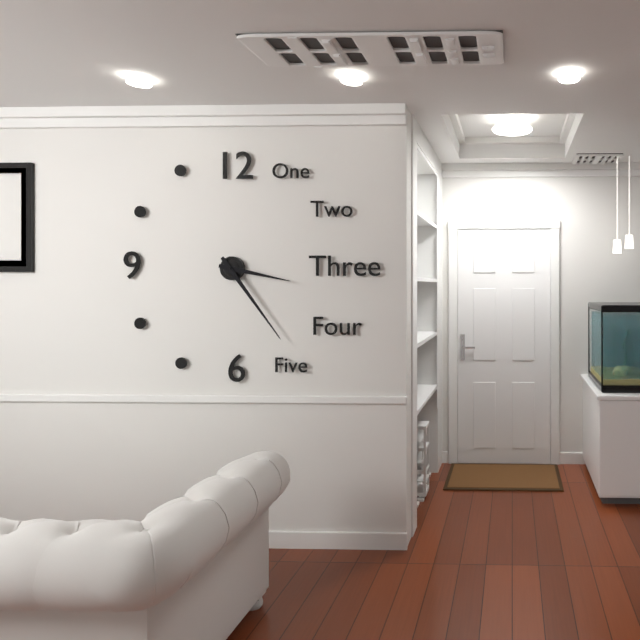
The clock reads 3h24
